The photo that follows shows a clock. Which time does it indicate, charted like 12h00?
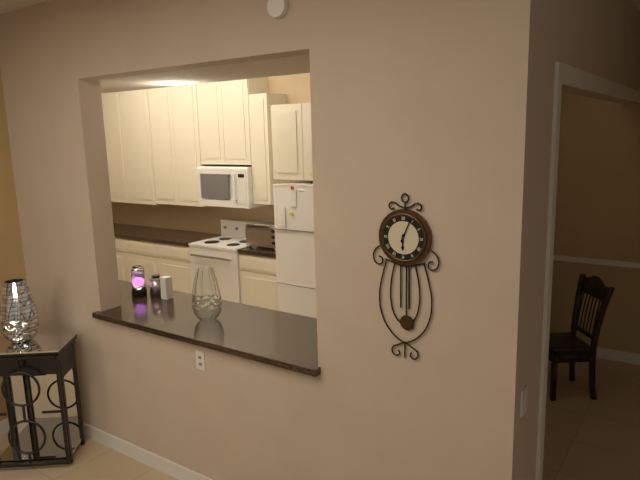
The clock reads 6h04
